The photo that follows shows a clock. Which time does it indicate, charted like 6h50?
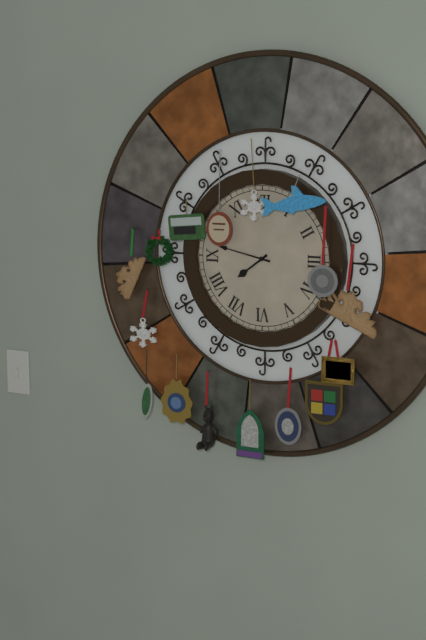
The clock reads 7h47
